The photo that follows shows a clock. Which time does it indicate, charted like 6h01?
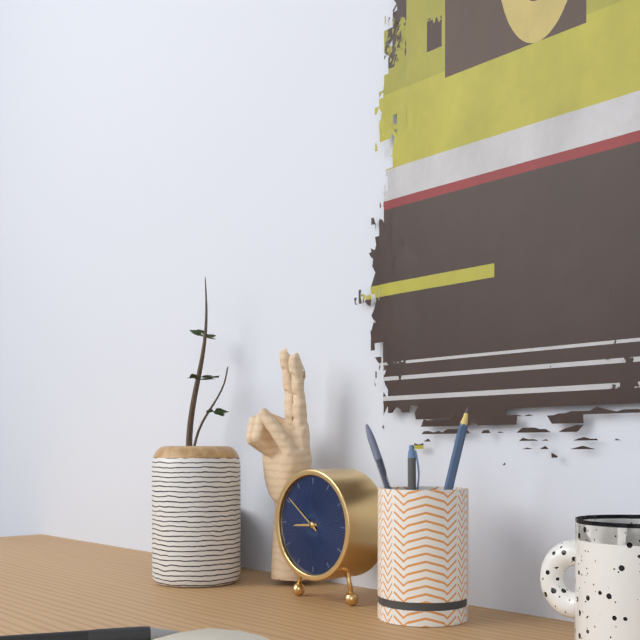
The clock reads 8h51
